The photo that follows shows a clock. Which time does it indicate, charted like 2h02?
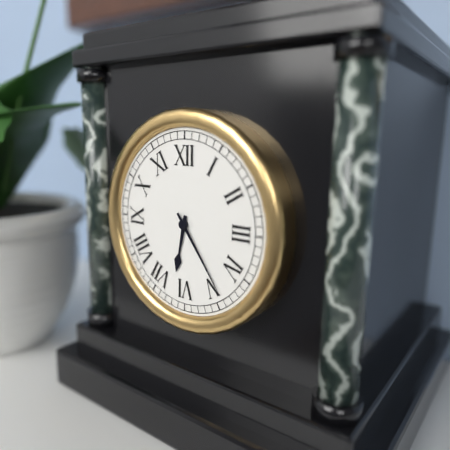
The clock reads 6h24
